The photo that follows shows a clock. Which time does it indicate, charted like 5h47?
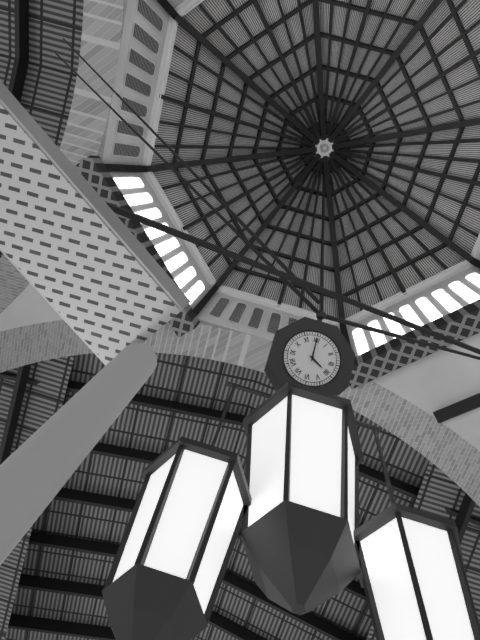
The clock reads 4h00
